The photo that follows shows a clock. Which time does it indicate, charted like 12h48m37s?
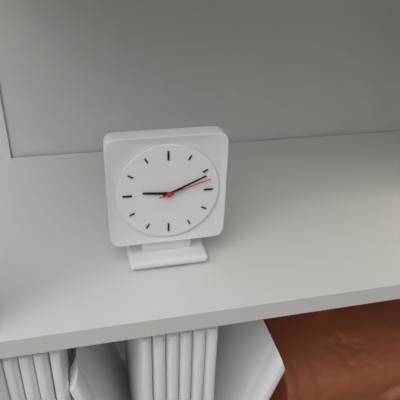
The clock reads 9h11m12s
